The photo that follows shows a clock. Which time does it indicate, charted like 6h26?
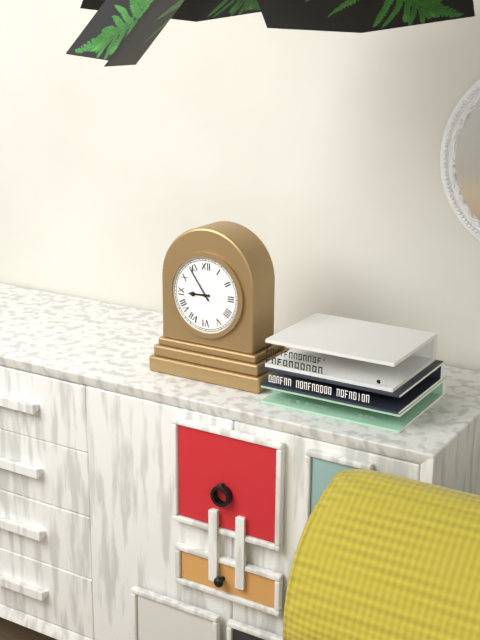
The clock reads 8h54
